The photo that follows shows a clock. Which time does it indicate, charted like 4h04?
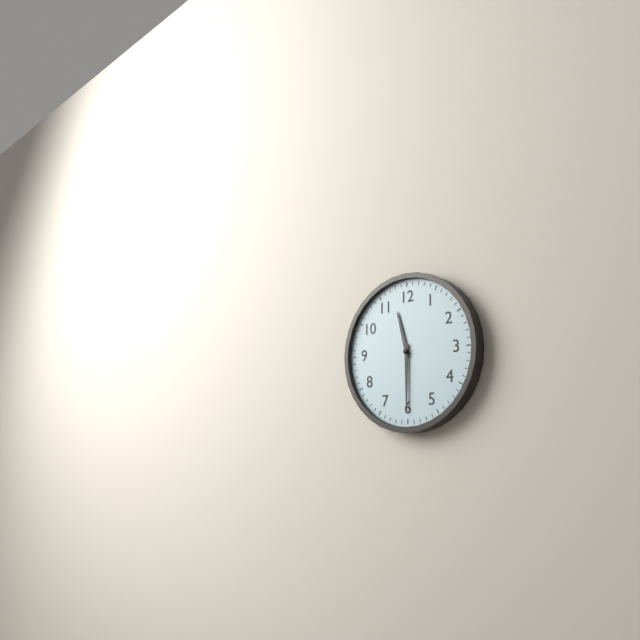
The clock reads 11h30
